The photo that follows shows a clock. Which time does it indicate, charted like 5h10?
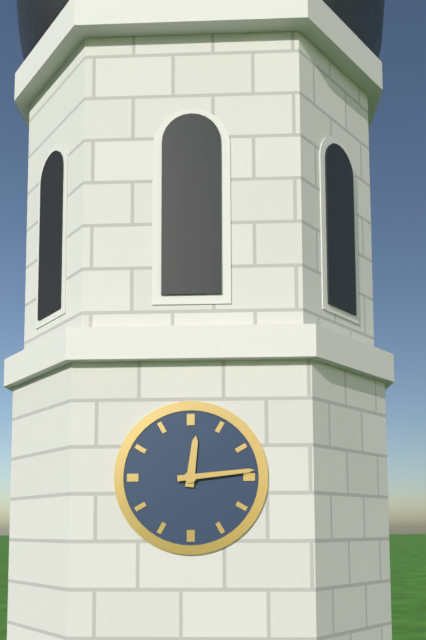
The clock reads 12h14
